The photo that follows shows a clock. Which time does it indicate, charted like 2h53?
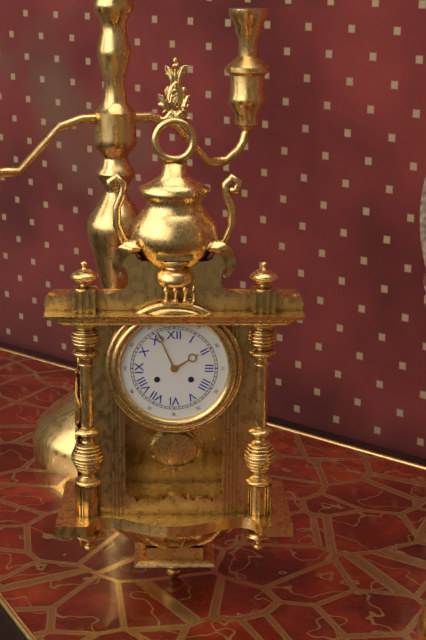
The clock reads 1h56
